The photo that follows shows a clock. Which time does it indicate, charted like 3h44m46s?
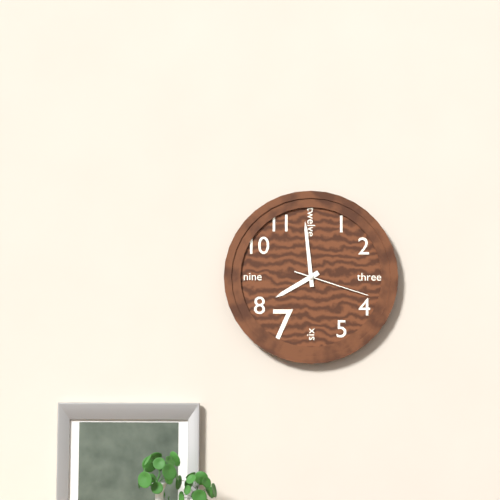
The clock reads 7h59m18s
